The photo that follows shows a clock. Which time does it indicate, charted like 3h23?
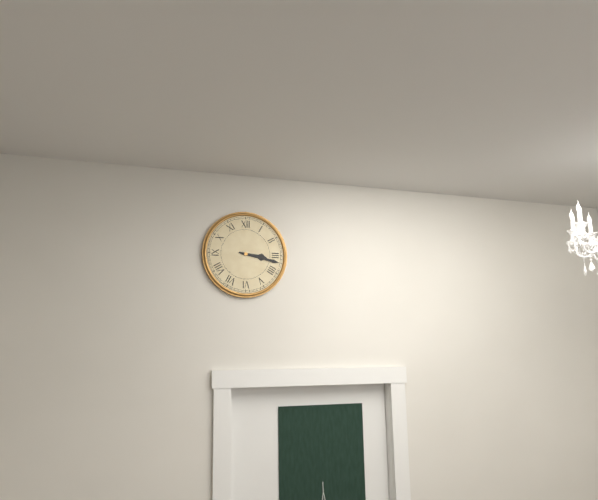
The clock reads 3h17
